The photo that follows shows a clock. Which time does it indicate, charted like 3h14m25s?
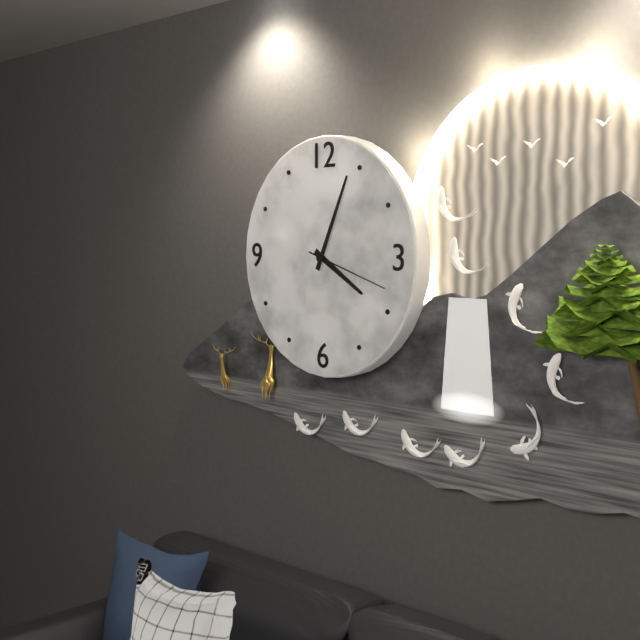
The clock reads 4h04m18s
